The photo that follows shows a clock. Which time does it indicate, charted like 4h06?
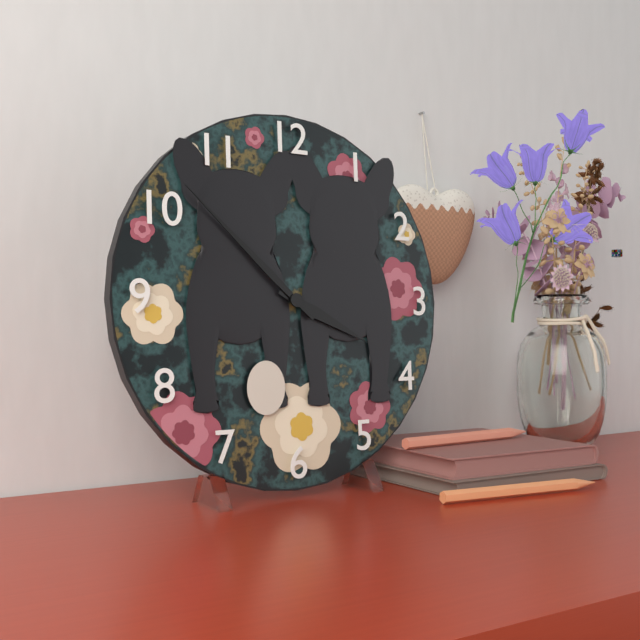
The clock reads 3h52
